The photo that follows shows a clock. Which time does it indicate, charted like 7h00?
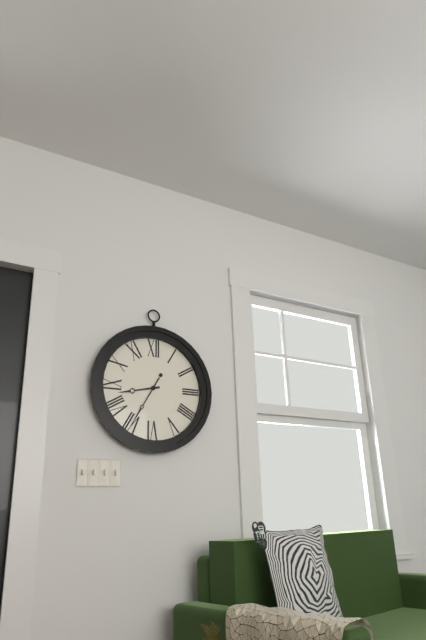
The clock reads 8h35
